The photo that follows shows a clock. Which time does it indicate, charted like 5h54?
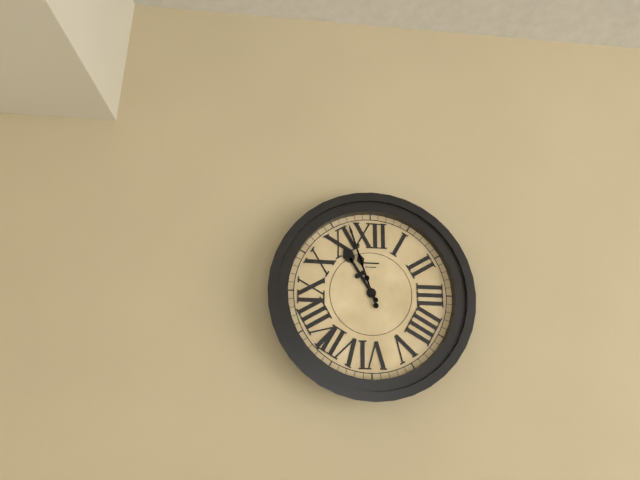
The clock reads 10h57
